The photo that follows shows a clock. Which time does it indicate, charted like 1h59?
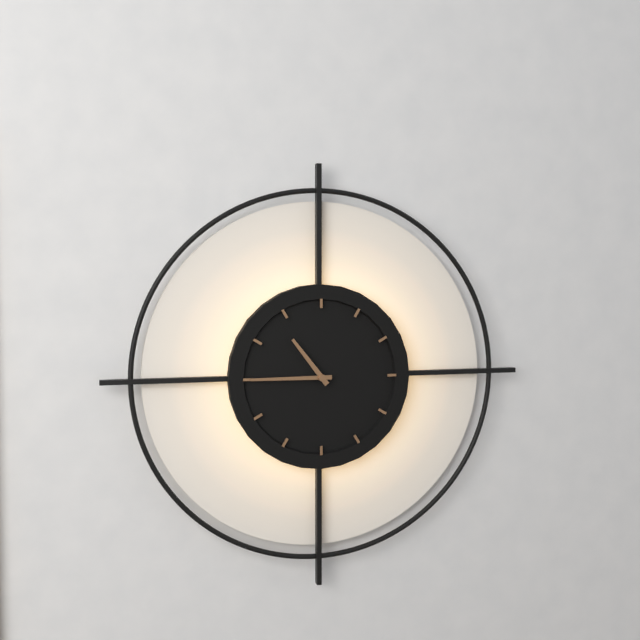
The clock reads 10h45
